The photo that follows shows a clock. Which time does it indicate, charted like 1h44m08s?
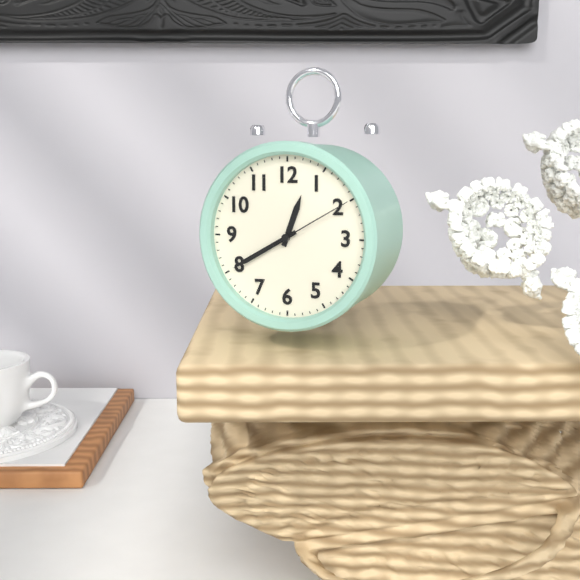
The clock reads 12h40m10s
